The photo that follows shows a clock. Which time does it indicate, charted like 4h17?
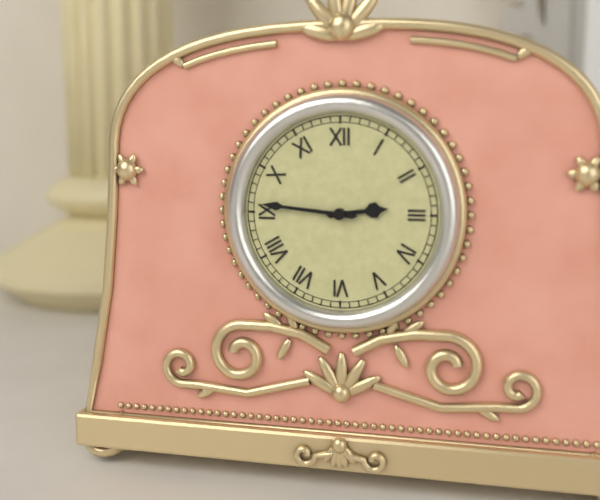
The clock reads 2h46
